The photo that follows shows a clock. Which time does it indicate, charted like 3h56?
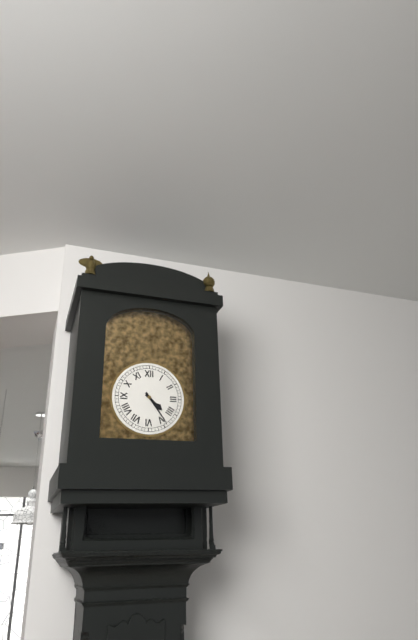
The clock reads 4h24
